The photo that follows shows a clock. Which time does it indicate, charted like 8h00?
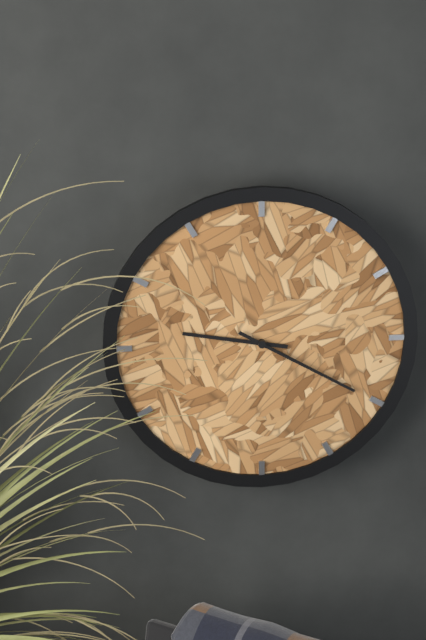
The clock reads 9h20
